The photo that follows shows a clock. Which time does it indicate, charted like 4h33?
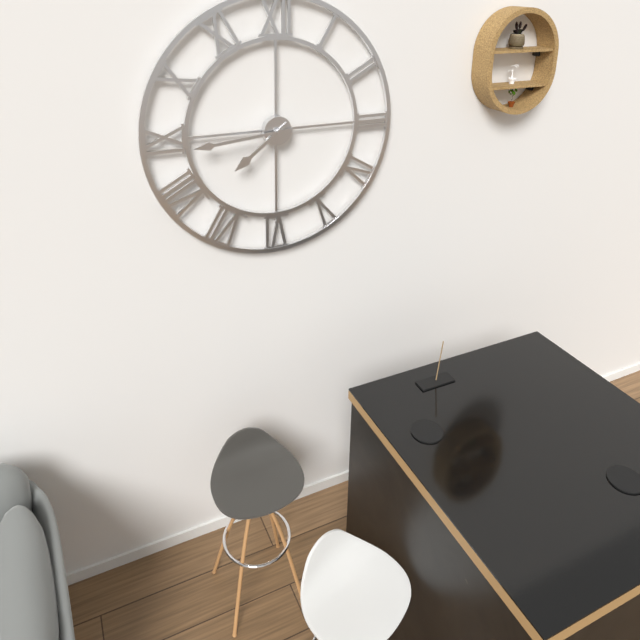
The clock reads 7h44
